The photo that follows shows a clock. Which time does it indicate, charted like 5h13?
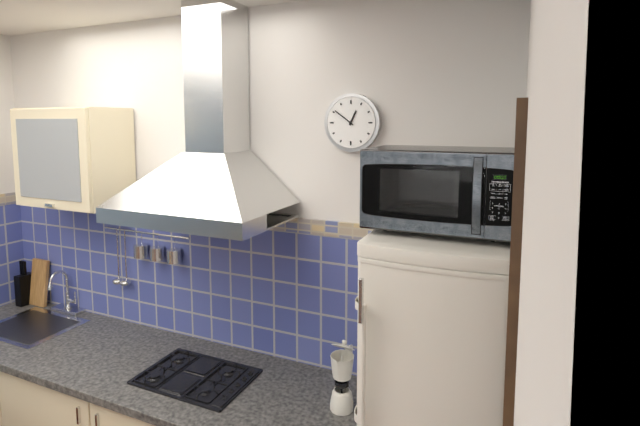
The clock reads 12h51
